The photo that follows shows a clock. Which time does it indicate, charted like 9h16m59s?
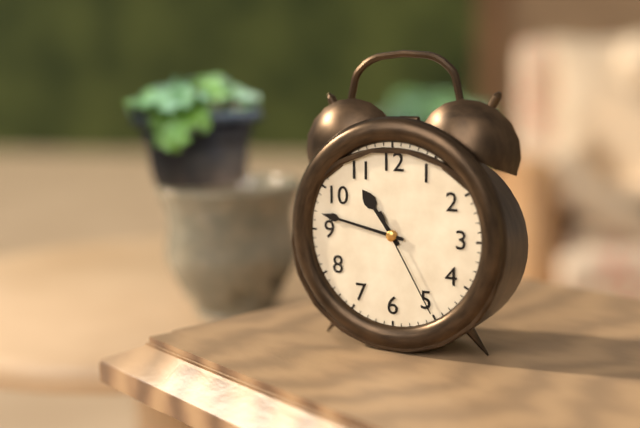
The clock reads 10h47m25s
